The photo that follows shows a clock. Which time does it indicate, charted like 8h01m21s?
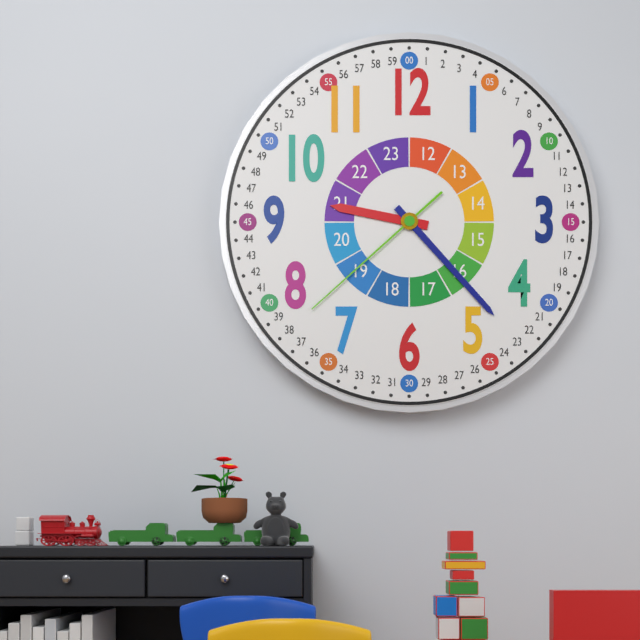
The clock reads 9h23m38s
